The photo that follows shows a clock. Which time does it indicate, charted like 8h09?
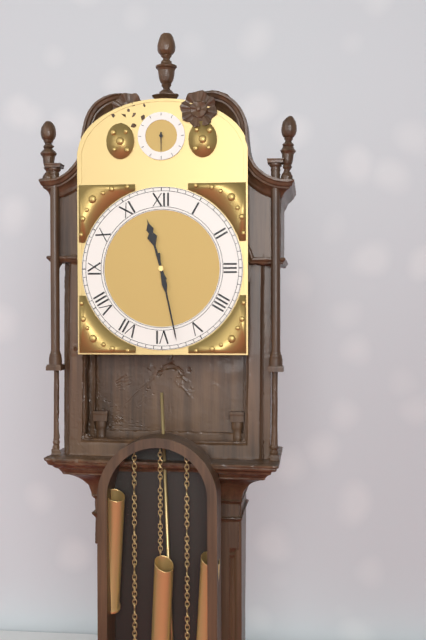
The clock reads 11h28
